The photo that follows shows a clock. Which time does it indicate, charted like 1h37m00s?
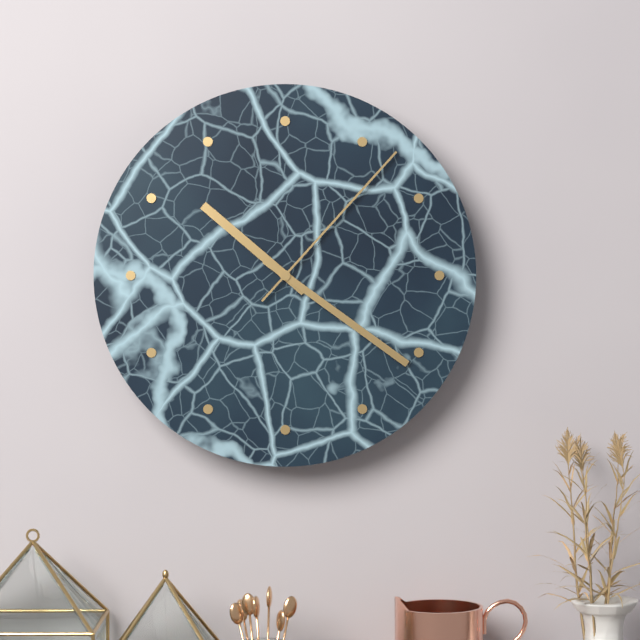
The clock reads 10h21m07s
